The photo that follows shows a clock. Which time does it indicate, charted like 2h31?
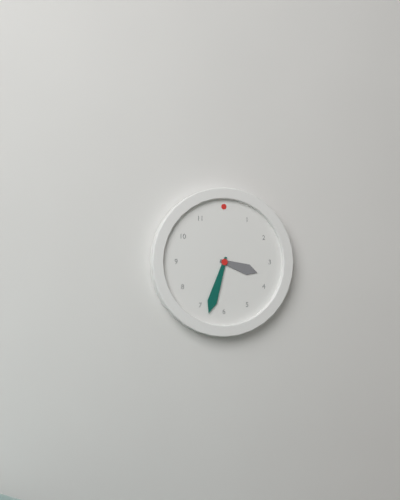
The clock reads 3h33
